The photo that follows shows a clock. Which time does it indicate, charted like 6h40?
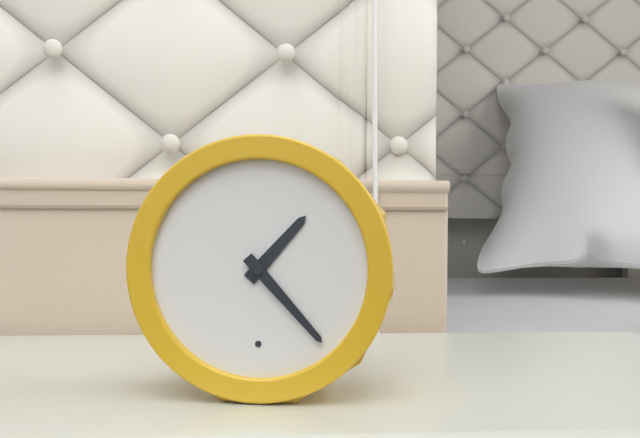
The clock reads 1h23
